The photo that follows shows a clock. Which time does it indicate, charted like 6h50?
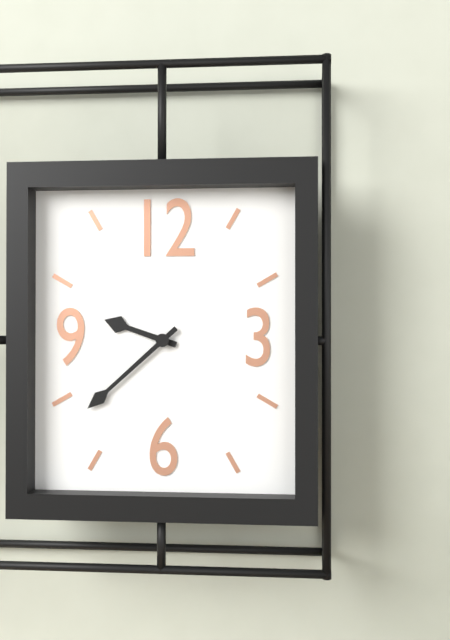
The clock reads 9h38
